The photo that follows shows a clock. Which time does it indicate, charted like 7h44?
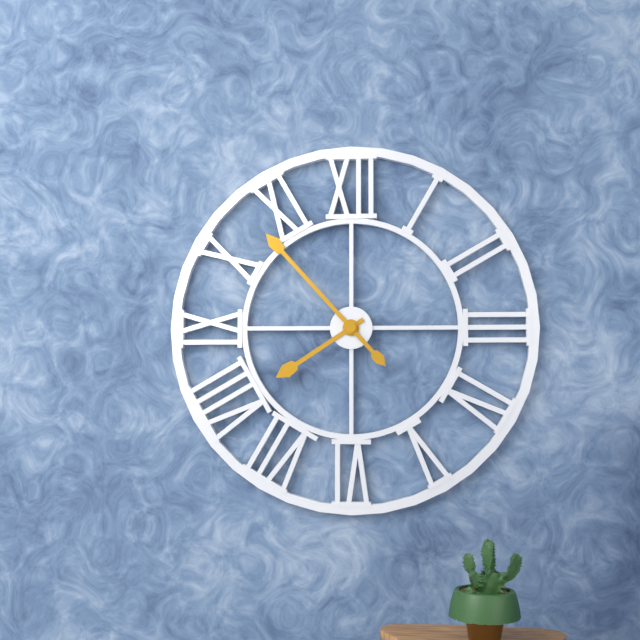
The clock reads 7h53
